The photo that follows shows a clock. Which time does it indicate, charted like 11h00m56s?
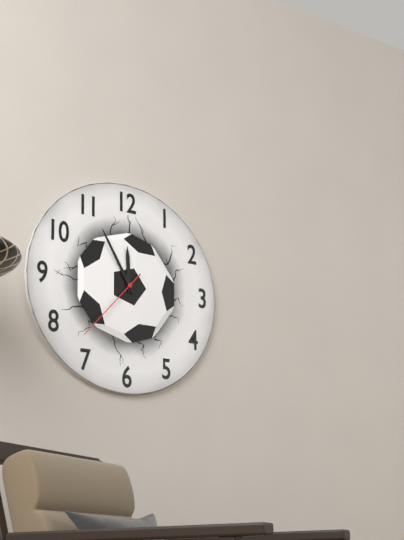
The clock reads 11h55m37s
